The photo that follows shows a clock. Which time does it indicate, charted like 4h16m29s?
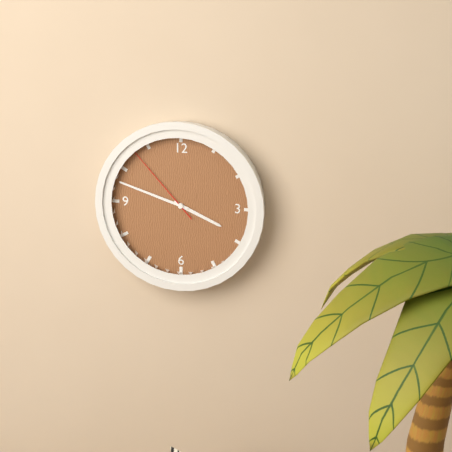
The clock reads 3h48m53s
